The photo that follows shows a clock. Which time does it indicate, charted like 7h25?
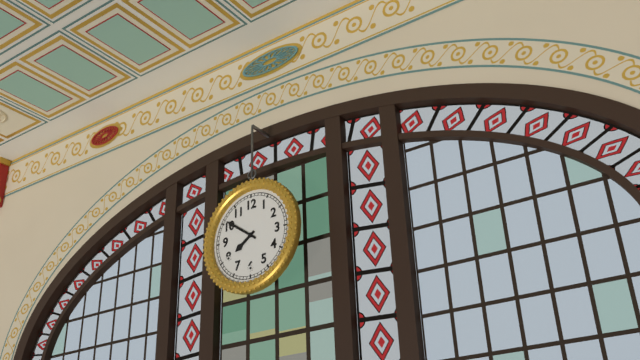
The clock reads 7h51
